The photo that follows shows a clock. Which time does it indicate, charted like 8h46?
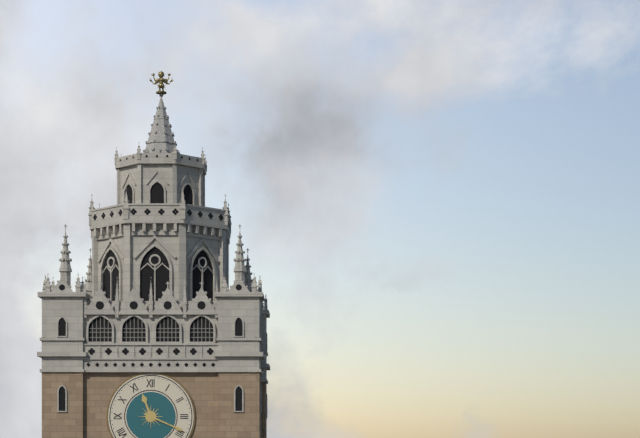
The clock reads 11h19
